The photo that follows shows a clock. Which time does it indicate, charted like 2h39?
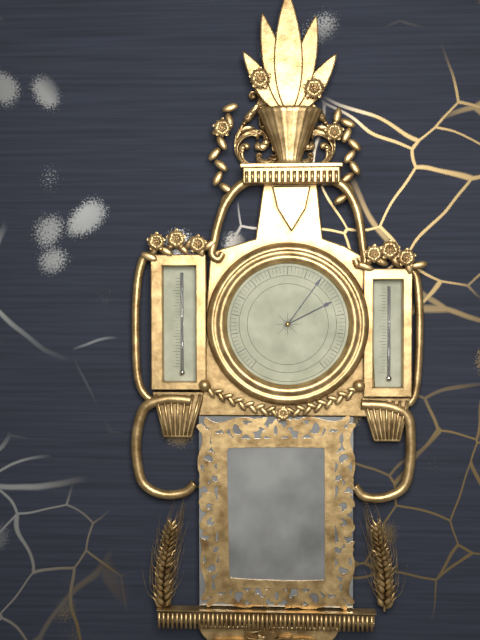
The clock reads 2h06
